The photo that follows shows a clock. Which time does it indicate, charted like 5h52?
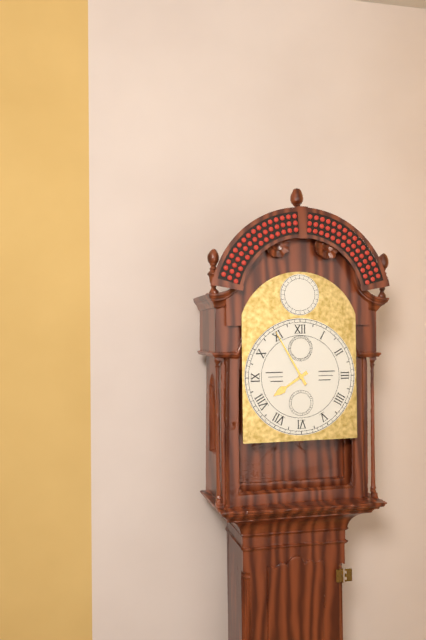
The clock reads 7h55
